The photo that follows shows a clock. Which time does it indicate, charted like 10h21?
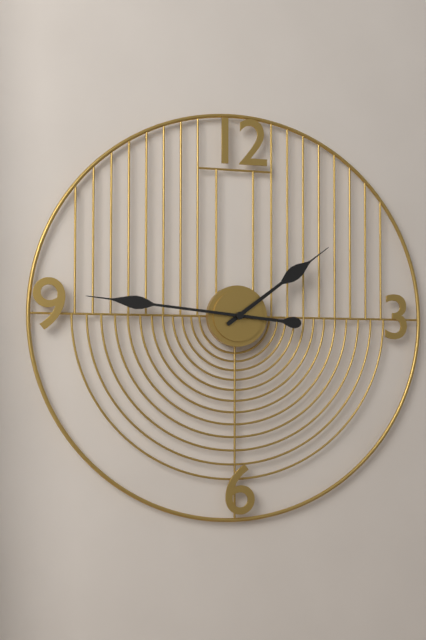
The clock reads 1h46
